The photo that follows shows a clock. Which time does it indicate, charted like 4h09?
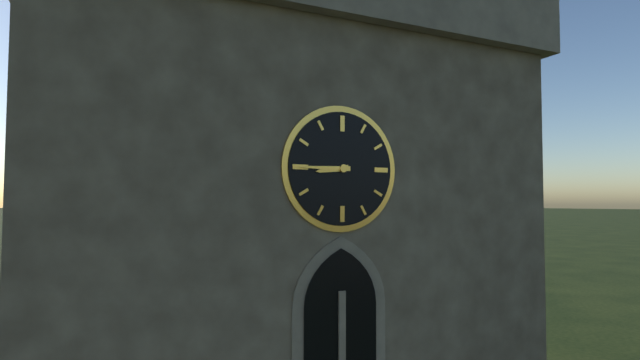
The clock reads 8h45
